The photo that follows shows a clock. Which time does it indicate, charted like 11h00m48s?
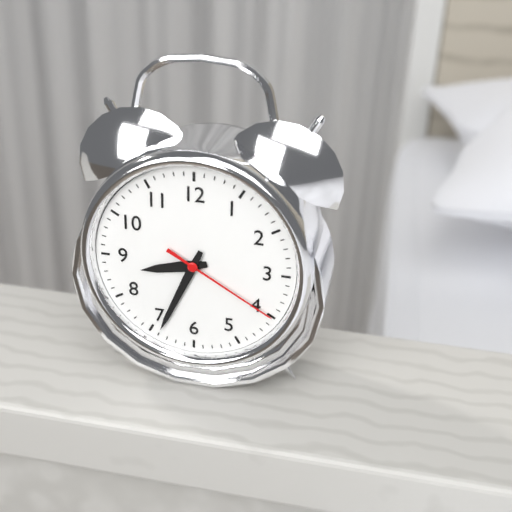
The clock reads 8h34m20s
